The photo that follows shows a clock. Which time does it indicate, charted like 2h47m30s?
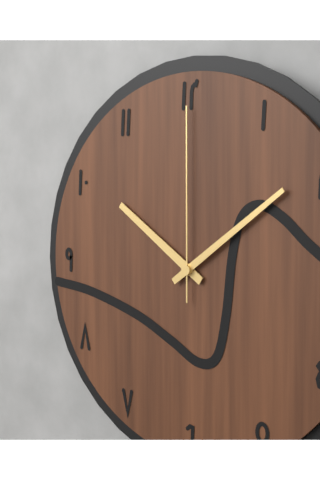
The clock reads 10h09m00s
